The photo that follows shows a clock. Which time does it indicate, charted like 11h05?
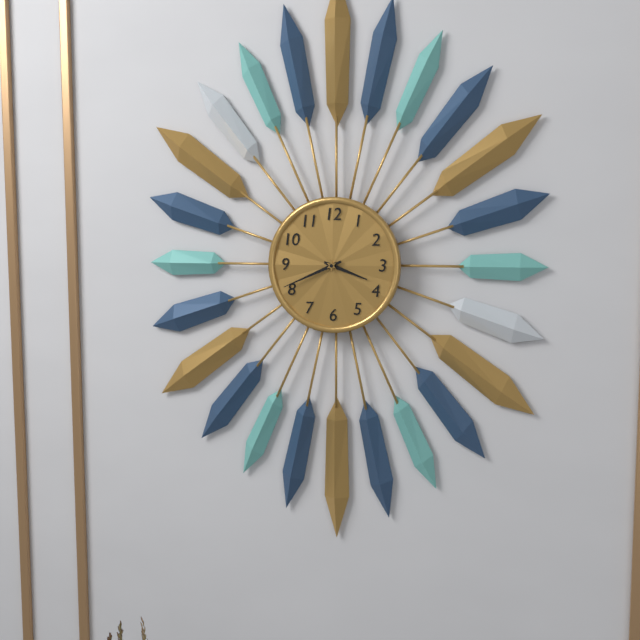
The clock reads 3h41
